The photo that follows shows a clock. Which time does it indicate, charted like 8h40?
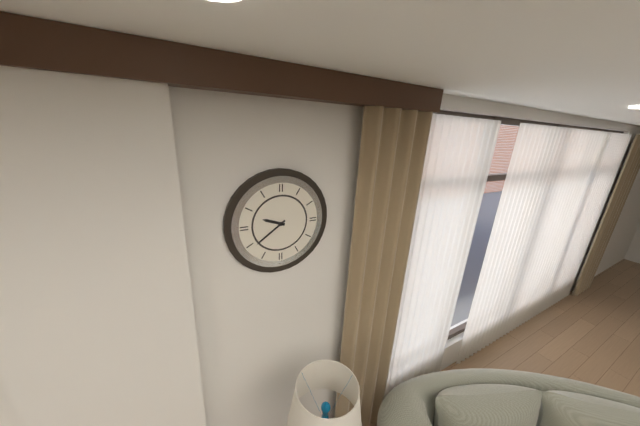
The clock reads 9h39
